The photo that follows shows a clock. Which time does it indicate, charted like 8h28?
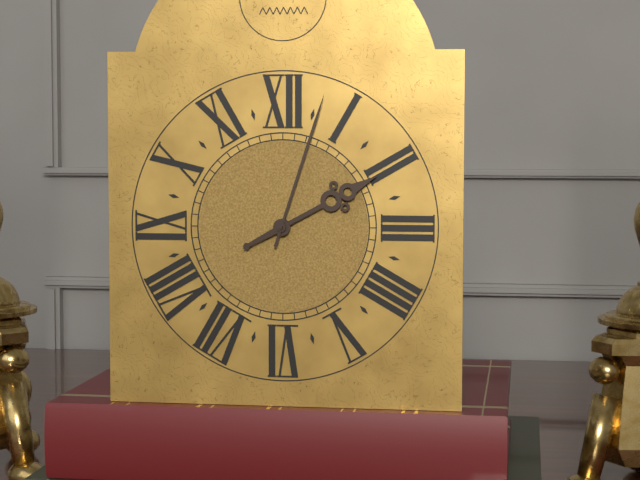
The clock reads 2h03
